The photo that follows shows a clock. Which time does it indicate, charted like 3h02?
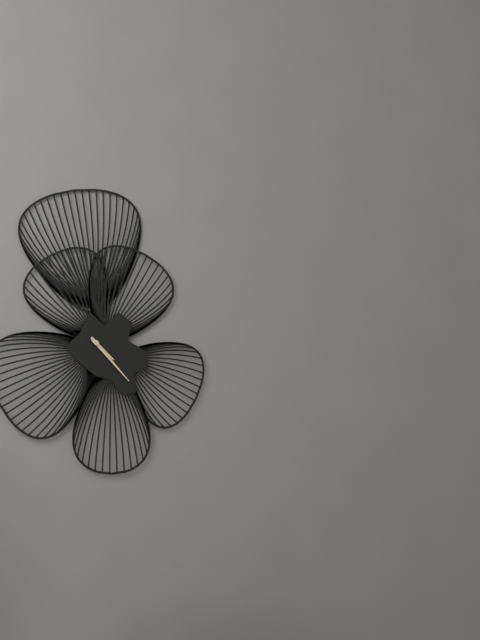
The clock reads 4h23
